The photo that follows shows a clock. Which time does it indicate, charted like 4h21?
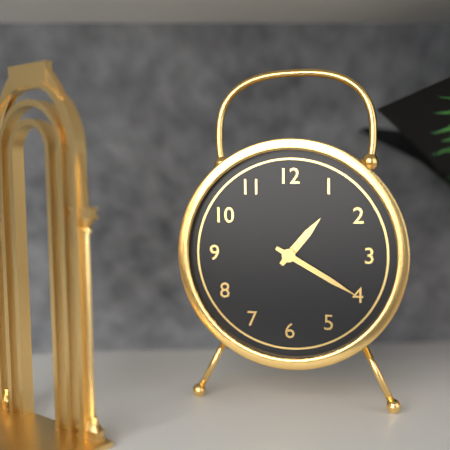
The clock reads 1h20
